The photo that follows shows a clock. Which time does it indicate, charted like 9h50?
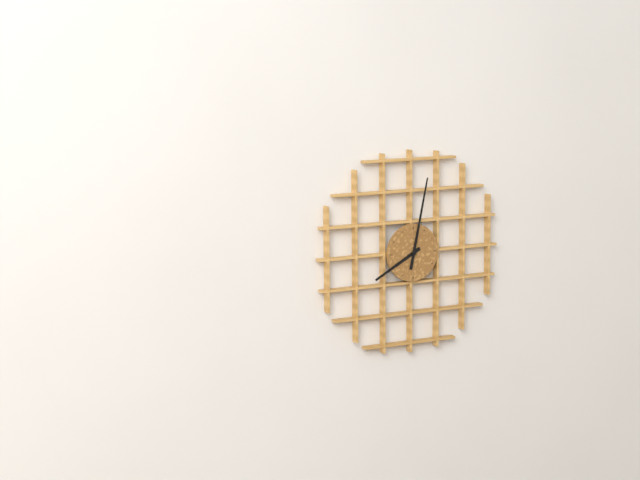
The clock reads 8h02
